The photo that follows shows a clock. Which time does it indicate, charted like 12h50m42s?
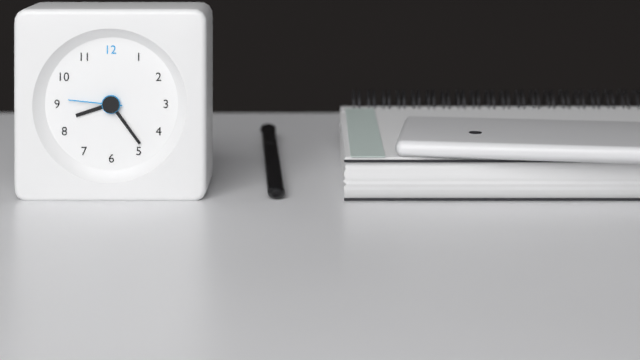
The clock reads 8h24m46s
